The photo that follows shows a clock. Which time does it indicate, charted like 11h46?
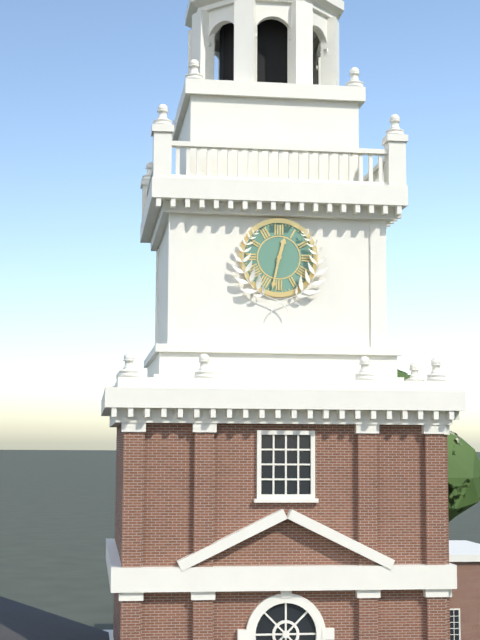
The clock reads 12h32
